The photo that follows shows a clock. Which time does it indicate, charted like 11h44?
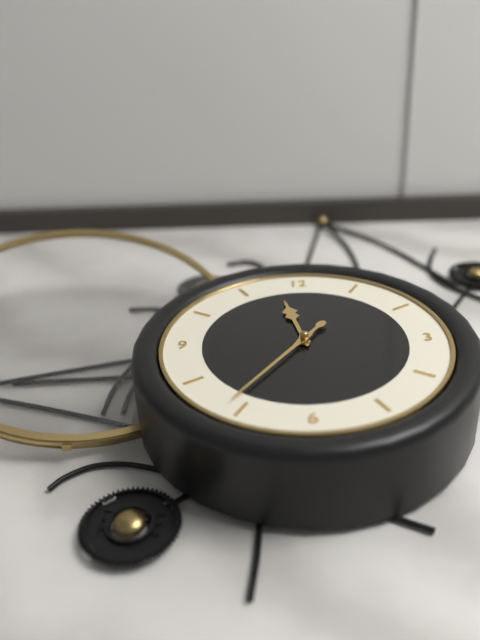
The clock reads 11h36
